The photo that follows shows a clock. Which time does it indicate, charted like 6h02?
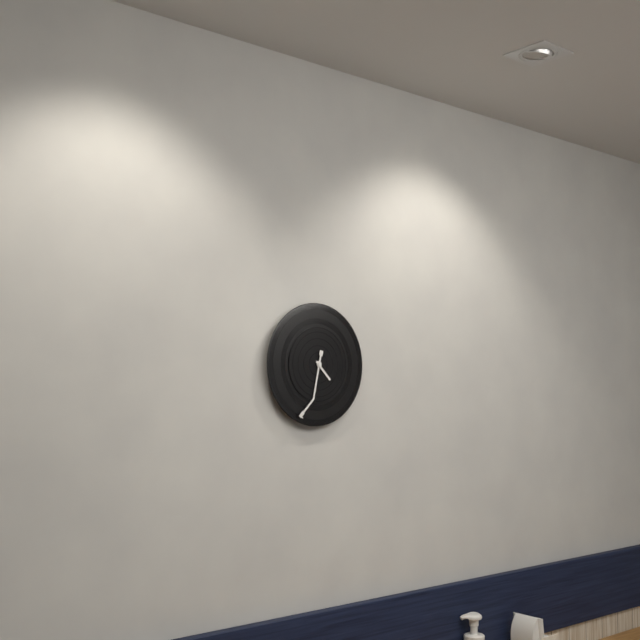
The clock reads 4h32
